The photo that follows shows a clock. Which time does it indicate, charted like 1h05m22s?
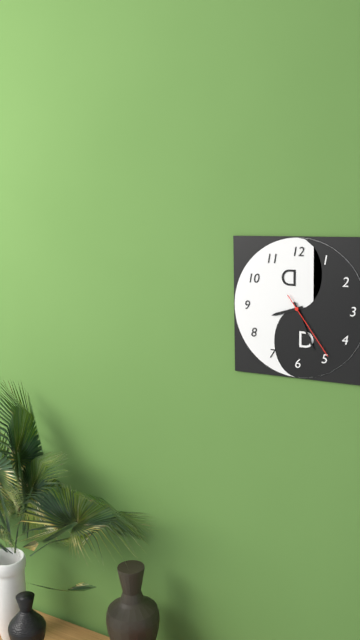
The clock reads 8h26m24s
